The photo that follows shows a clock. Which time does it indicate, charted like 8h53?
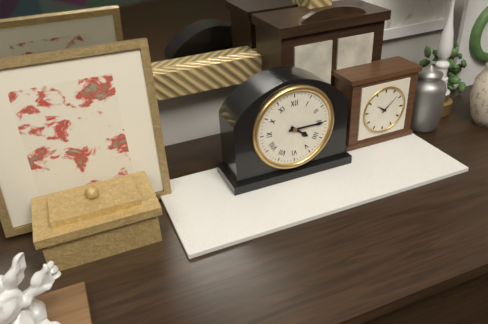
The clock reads 4h15
